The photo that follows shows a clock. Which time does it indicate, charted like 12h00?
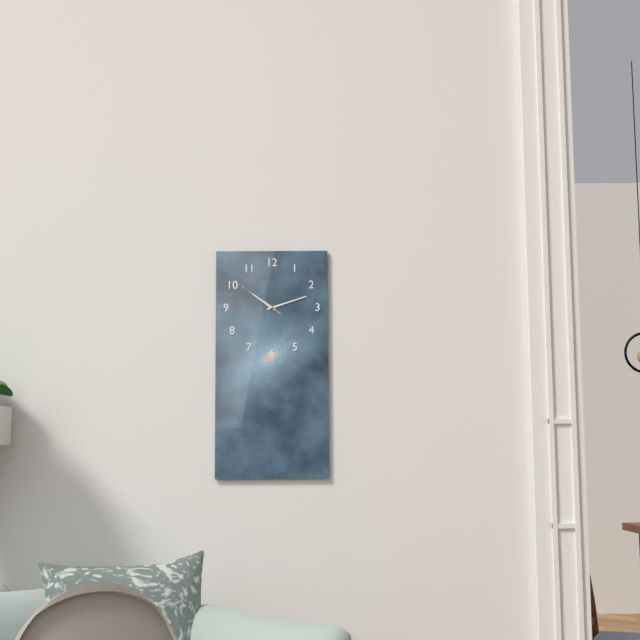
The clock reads 10h12
